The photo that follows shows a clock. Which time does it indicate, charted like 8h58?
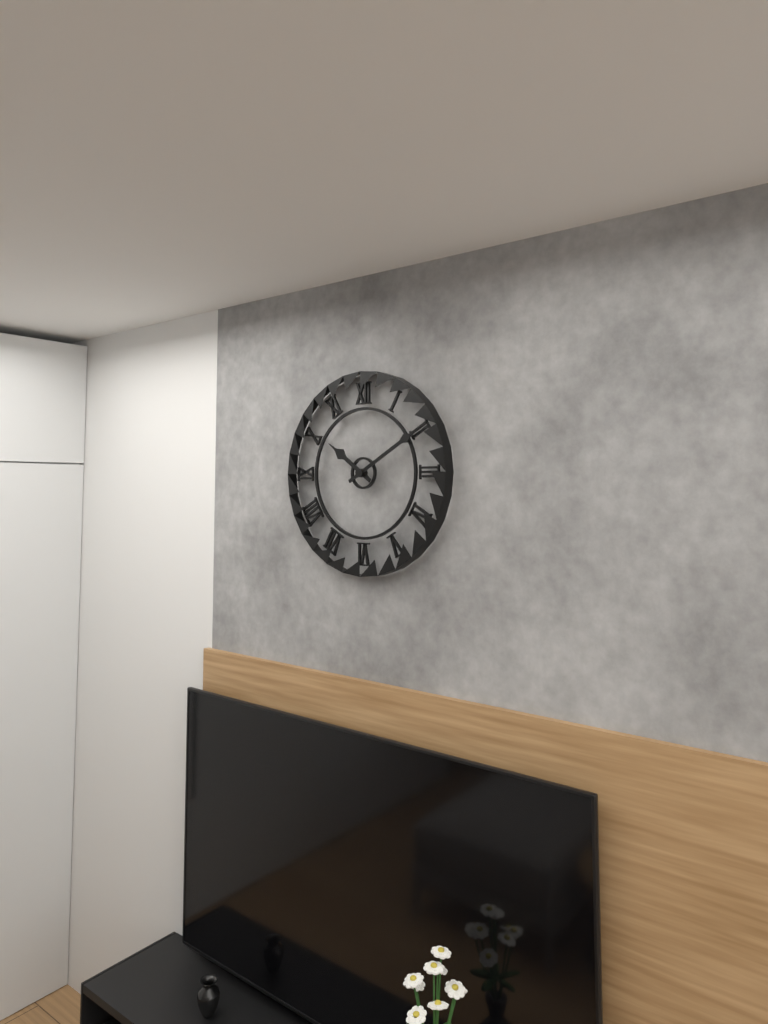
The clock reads 10h10
